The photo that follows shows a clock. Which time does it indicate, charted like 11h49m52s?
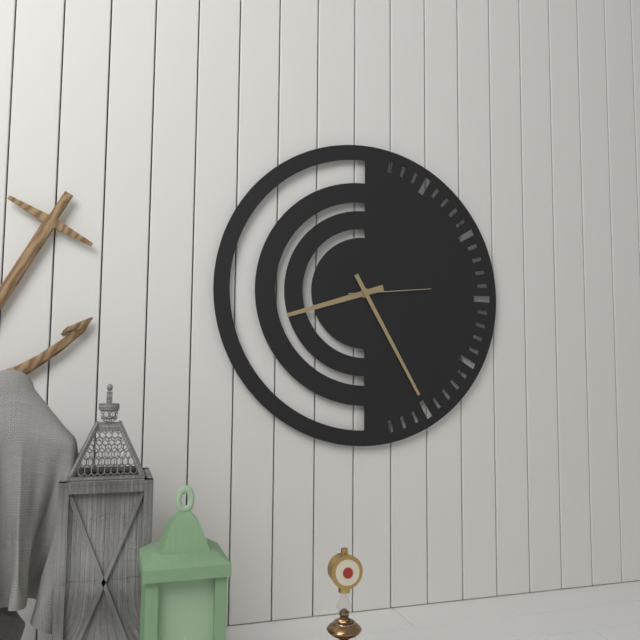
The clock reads 8h25m14s
